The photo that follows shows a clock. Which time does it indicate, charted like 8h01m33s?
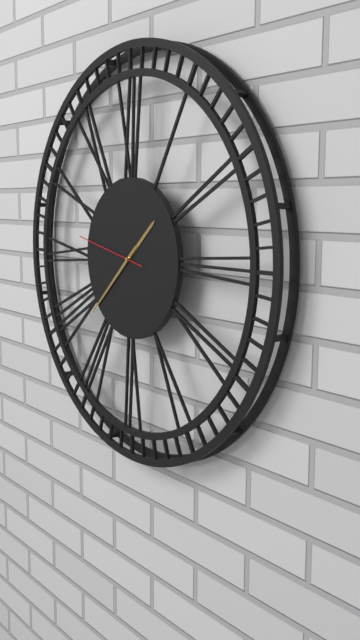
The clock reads 1h38m47s
